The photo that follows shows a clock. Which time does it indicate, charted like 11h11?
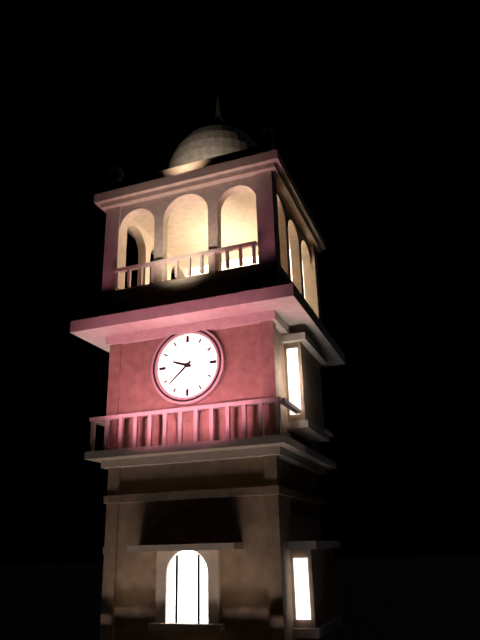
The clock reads 9h38
